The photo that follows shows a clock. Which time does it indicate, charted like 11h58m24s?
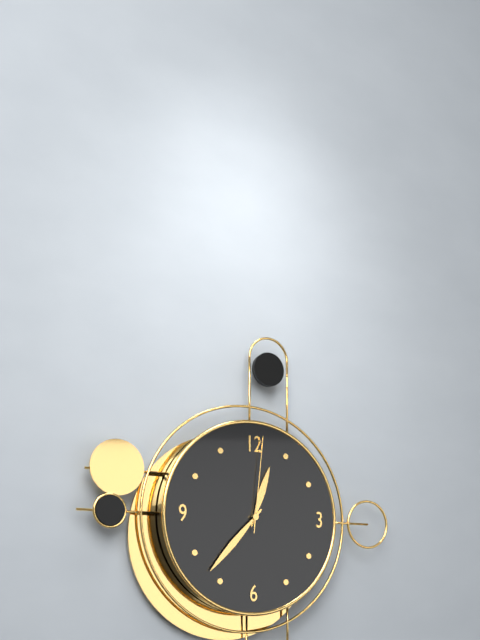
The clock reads 12h37m01s
